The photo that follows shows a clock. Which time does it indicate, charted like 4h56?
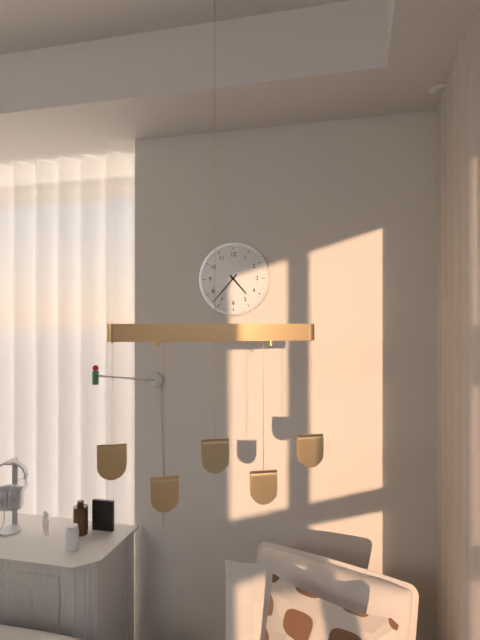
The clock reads 4h37
